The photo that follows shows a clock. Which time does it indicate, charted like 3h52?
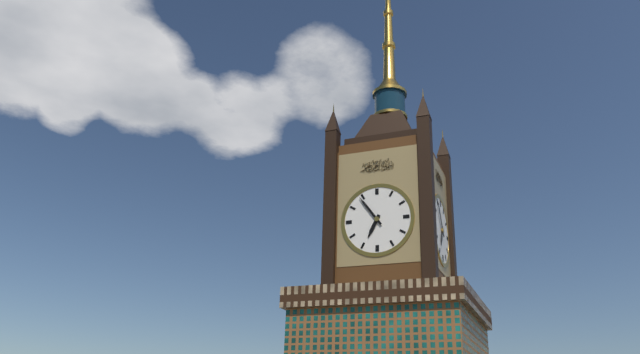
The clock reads 6h54
